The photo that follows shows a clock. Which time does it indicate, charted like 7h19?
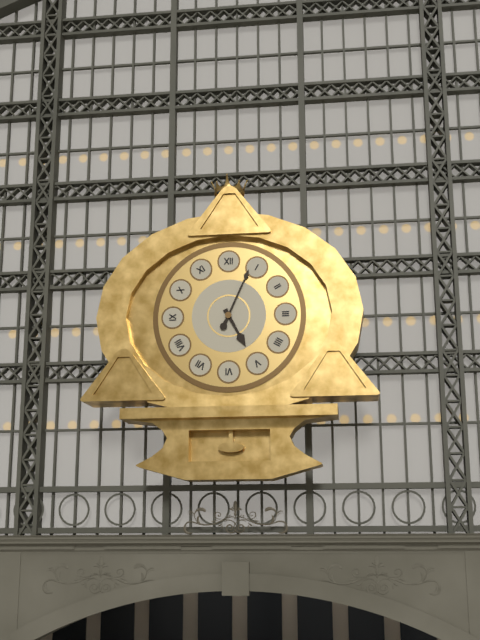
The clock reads 5h04
